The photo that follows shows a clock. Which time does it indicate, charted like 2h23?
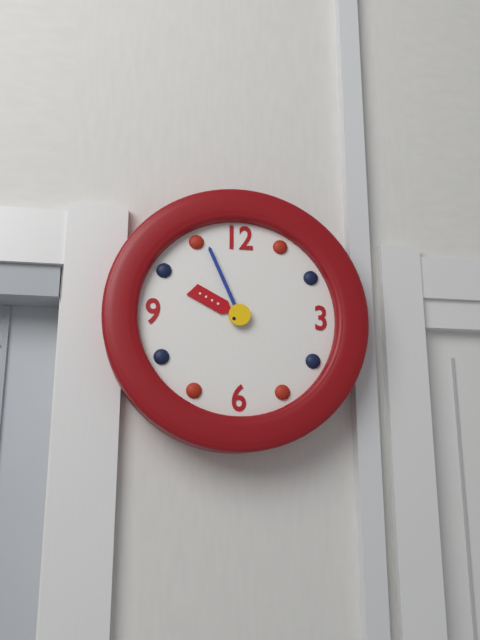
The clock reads 9h56
